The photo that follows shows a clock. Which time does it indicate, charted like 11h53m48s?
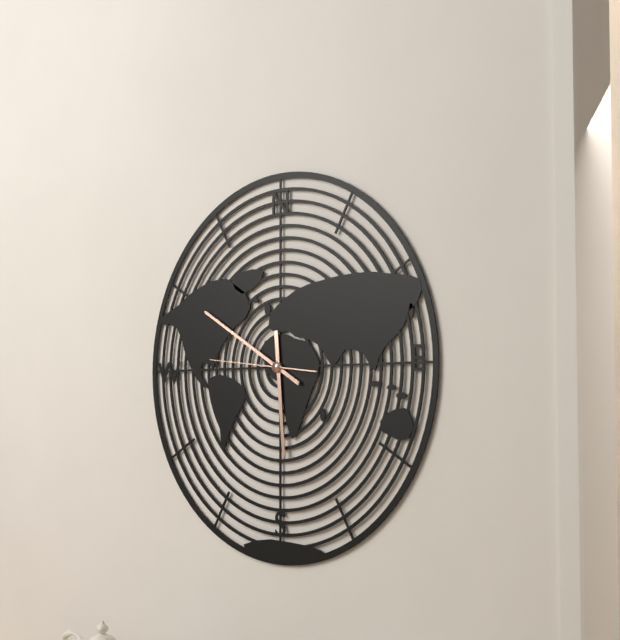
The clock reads 5h50m46s
